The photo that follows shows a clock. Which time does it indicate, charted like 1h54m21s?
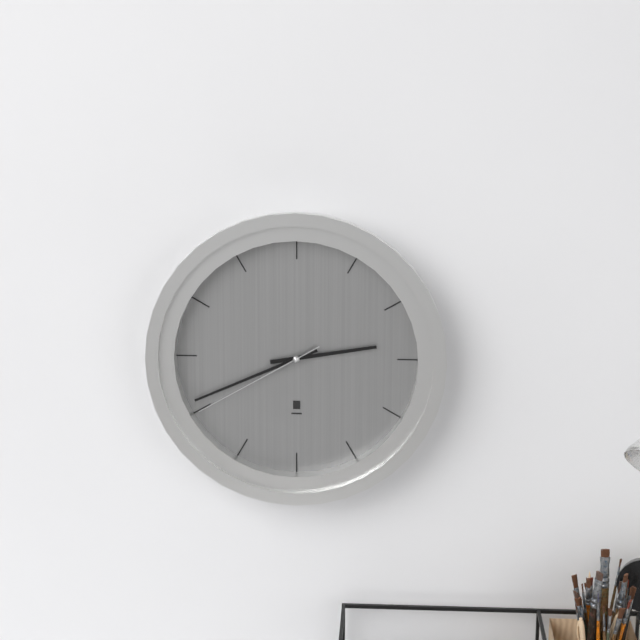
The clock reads 2h41m40s
